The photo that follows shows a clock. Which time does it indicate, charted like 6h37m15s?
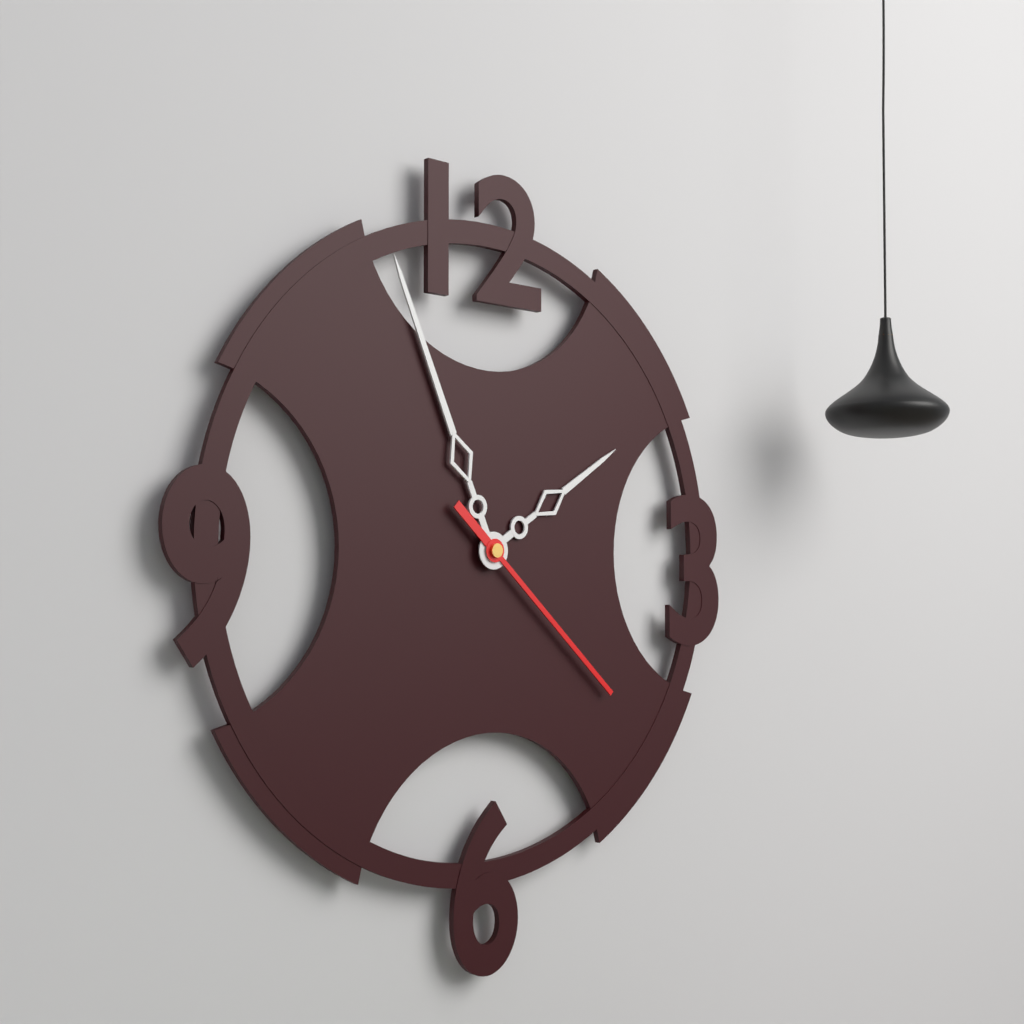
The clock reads 1h56m22s
